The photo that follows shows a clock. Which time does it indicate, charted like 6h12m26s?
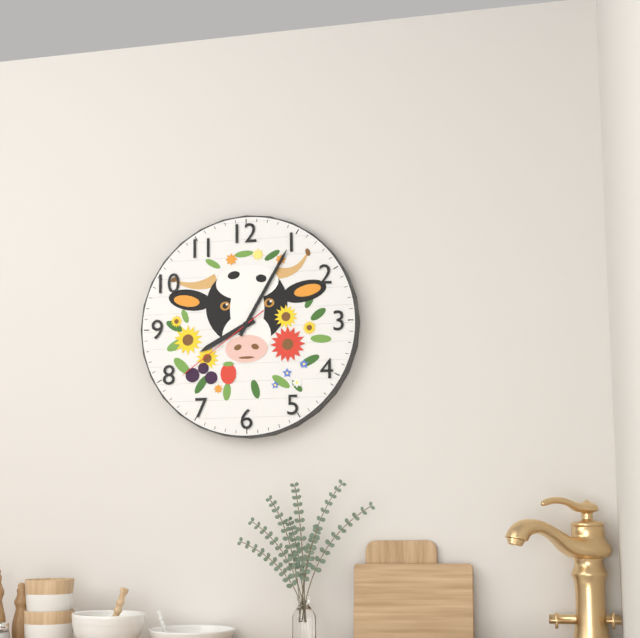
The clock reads 8h05m39s
